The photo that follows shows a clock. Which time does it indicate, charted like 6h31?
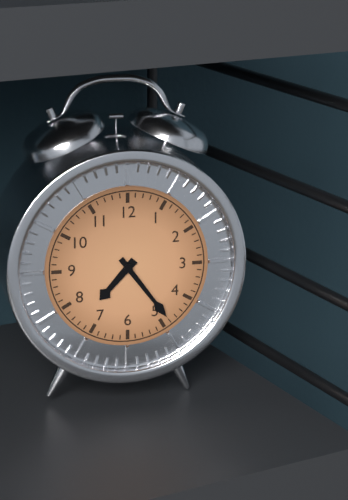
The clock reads 7h24
